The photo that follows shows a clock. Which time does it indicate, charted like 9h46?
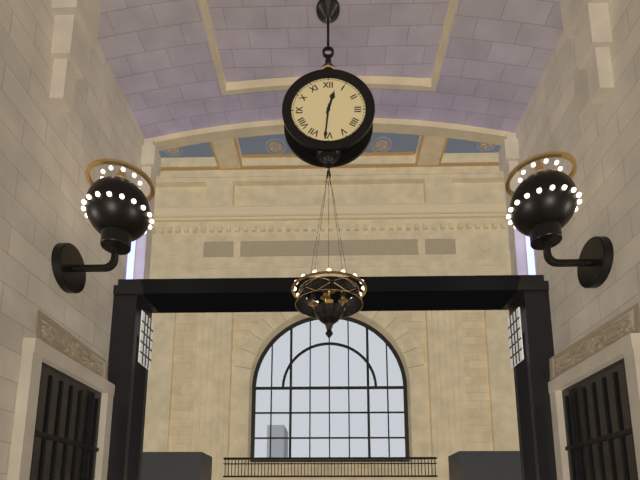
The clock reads 12h31
